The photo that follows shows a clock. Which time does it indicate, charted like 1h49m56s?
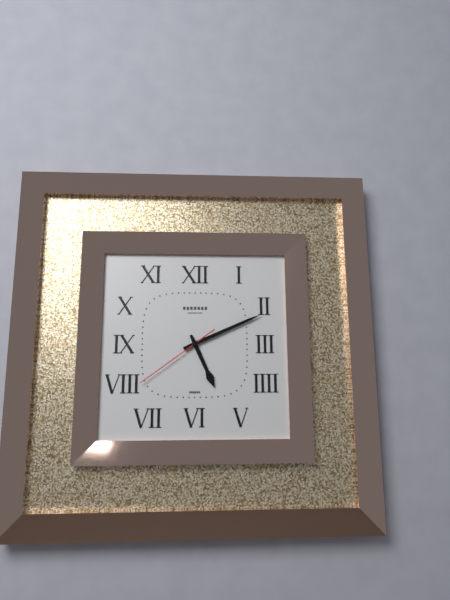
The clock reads 5h11m39s
